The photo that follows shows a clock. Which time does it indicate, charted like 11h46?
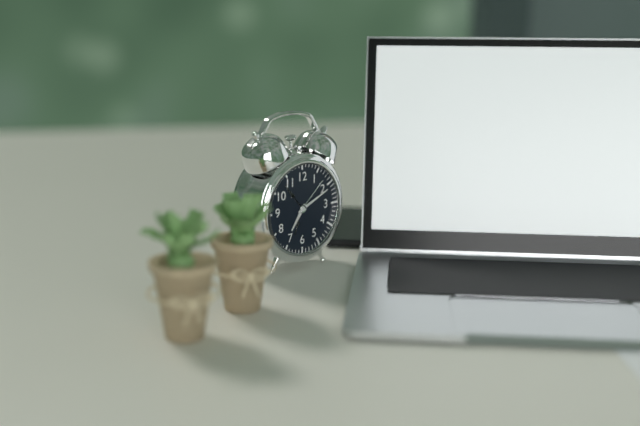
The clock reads 7h11
